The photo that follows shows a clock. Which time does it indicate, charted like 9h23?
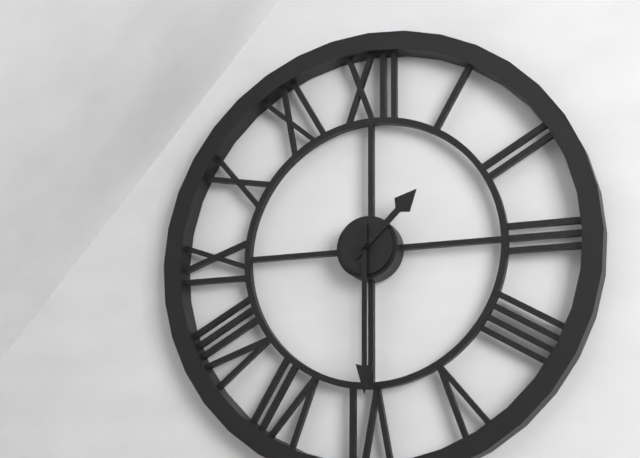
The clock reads 1h30
